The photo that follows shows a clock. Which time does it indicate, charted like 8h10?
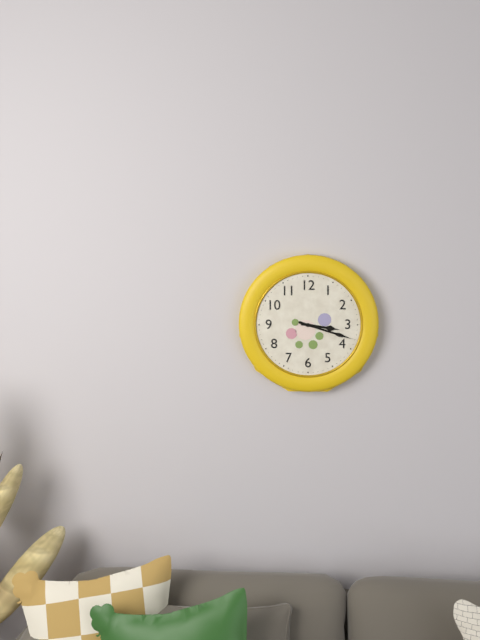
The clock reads 3h18
